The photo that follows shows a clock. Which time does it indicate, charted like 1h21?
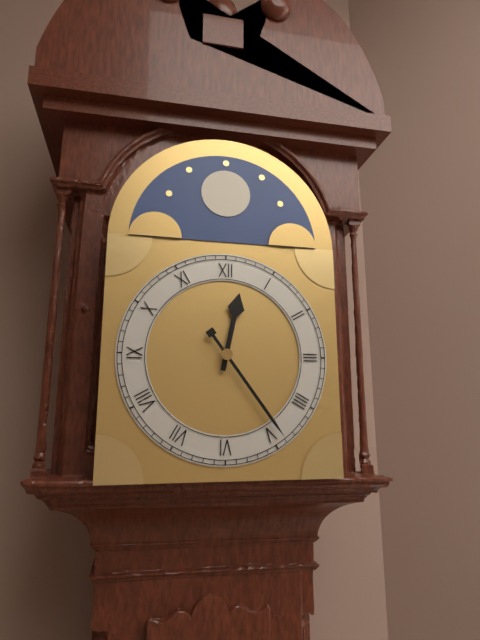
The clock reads 12h24
